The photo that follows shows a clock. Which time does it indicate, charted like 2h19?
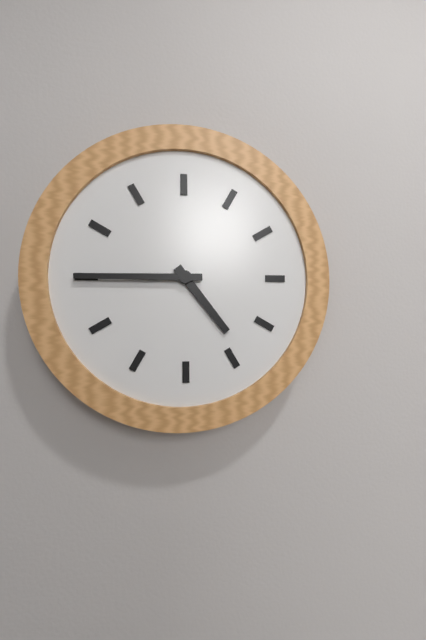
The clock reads 4h45
